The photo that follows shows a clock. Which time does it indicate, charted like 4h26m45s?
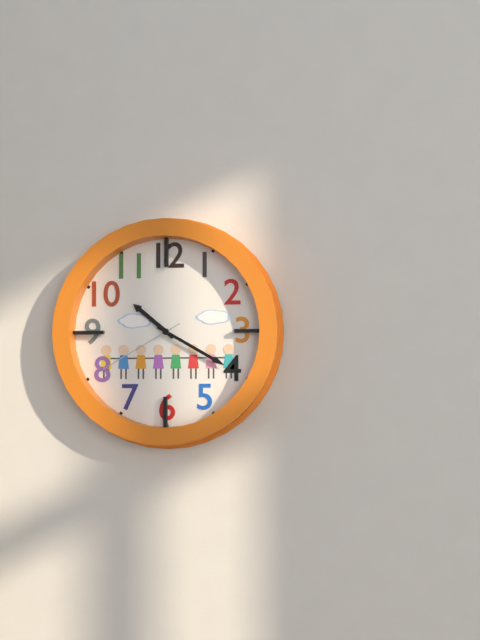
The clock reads 10h20m40s
